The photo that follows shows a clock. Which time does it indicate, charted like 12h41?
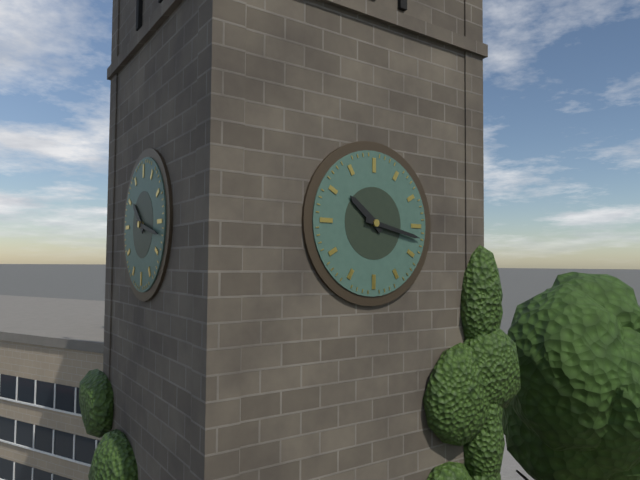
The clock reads 10h17
